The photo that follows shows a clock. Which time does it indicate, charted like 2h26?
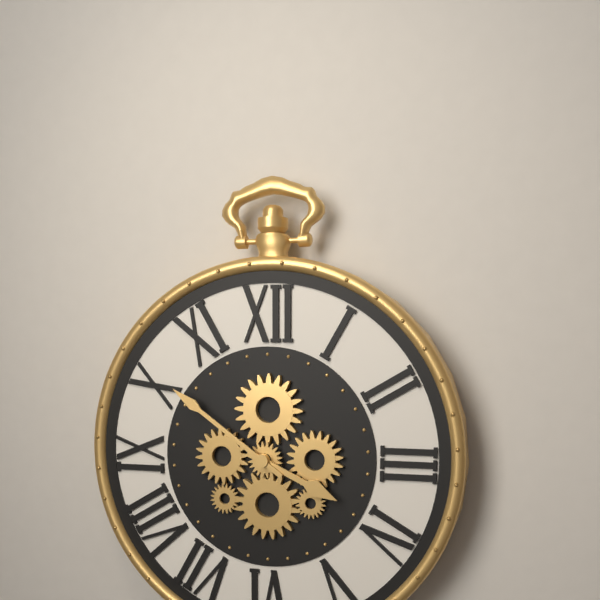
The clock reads 3h51
